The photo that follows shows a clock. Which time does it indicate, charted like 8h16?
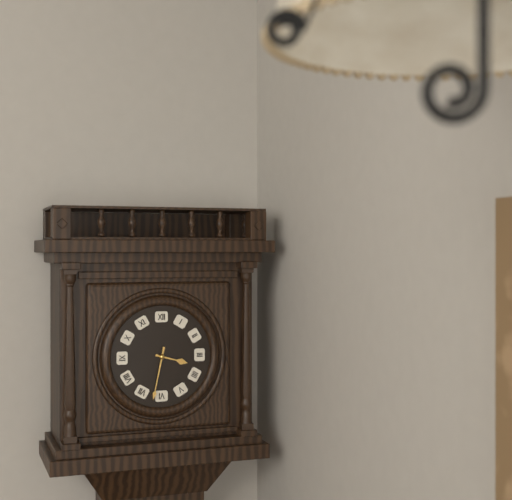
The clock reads 3h32
